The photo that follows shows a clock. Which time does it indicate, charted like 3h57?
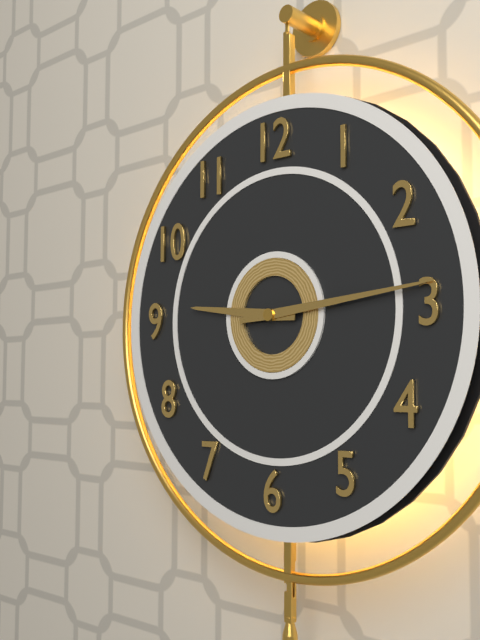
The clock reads 9h14
